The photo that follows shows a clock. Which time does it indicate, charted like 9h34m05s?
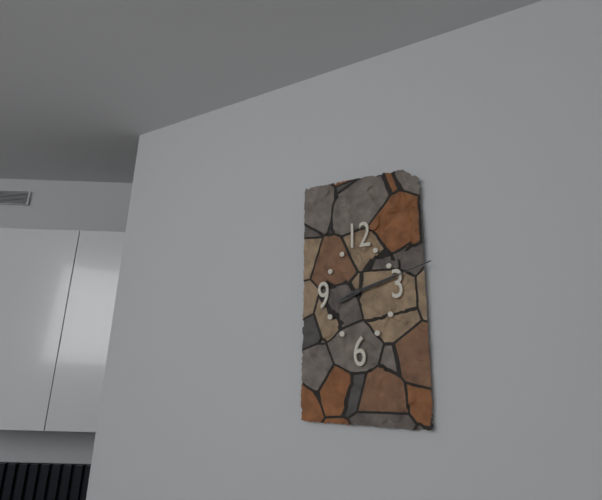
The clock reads 8h12m12s
